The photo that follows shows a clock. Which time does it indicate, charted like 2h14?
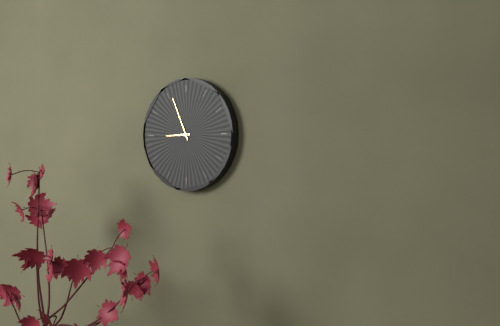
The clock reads 8h56
